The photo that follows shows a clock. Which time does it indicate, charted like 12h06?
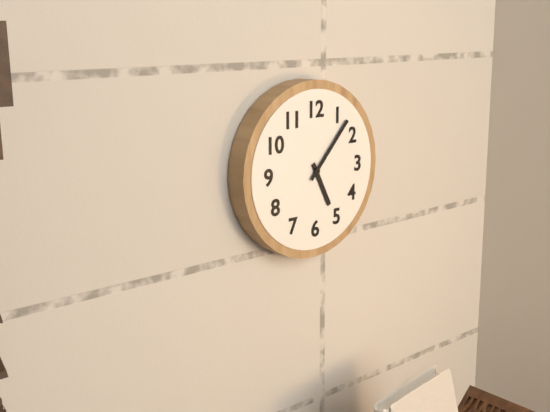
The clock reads 5h07
